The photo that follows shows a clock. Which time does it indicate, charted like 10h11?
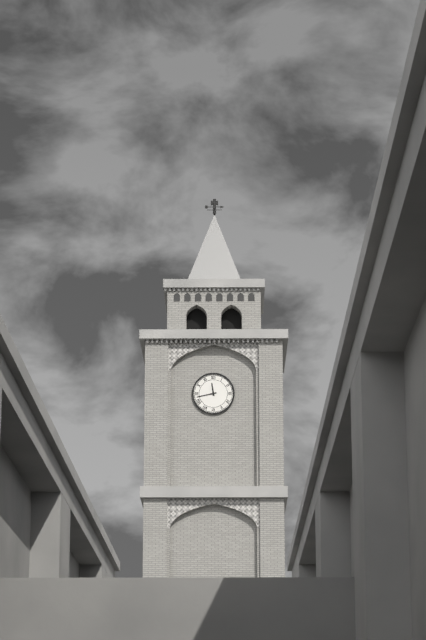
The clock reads 11h43
